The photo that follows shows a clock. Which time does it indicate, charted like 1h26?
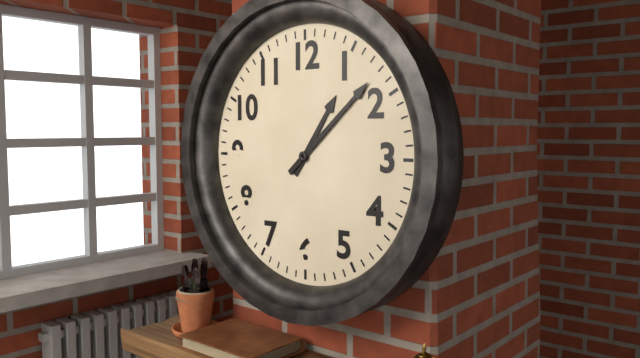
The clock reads 1h08
